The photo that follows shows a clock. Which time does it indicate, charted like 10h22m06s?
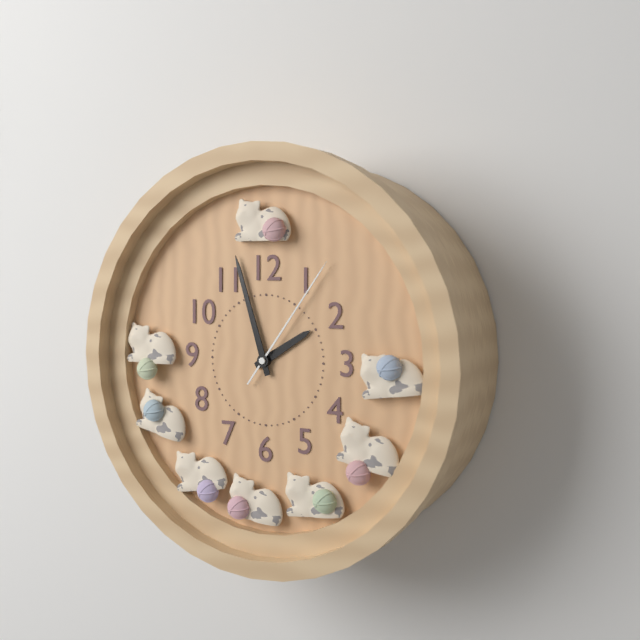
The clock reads 1h57m06s
